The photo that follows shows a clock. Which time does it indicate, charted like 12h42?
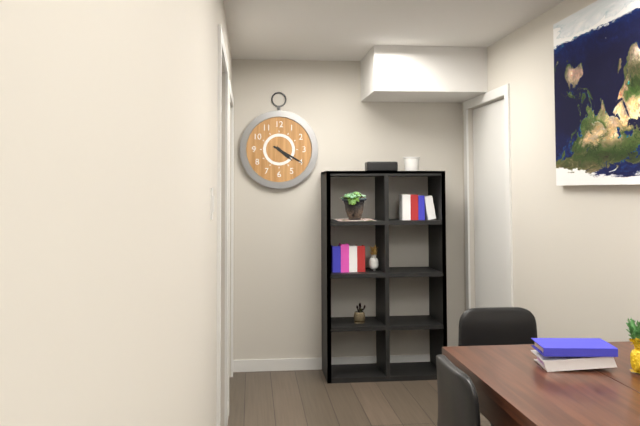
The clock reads 4h20
